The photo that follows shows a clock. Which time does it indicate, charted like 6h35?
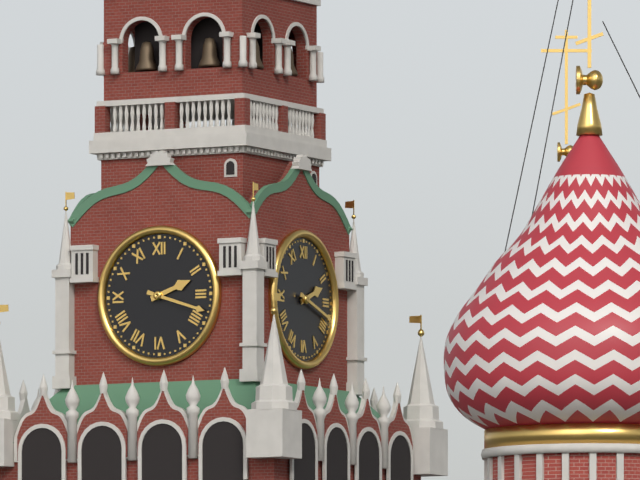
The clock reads 2h18
